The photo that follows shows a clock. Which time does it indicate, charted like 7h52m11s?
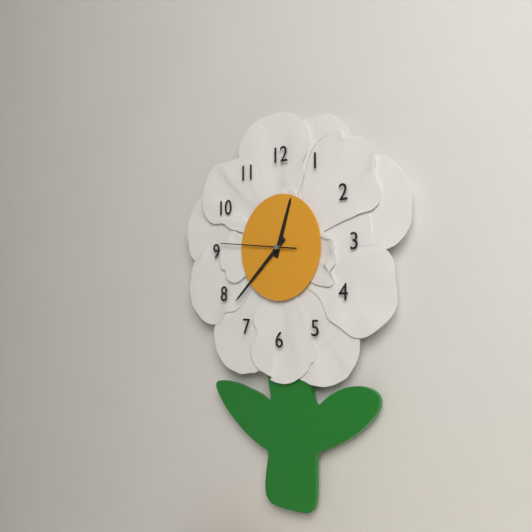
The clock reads 12h38m46s
